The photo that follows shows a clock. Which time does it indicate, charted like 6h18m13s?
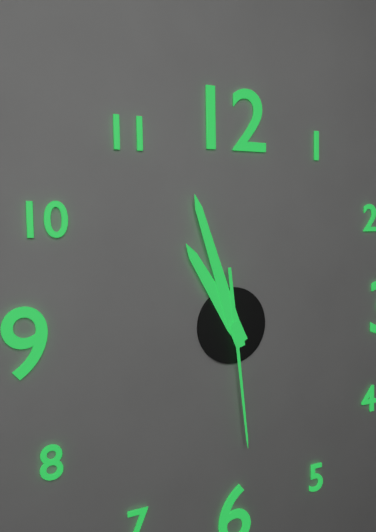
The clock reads 10h57m29s
